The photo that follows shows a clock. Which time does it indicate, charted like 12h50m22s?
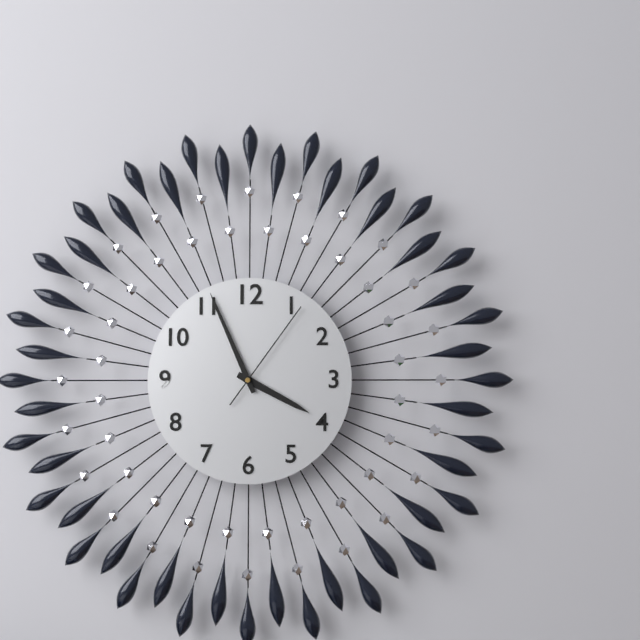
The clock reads 3h56m06s
